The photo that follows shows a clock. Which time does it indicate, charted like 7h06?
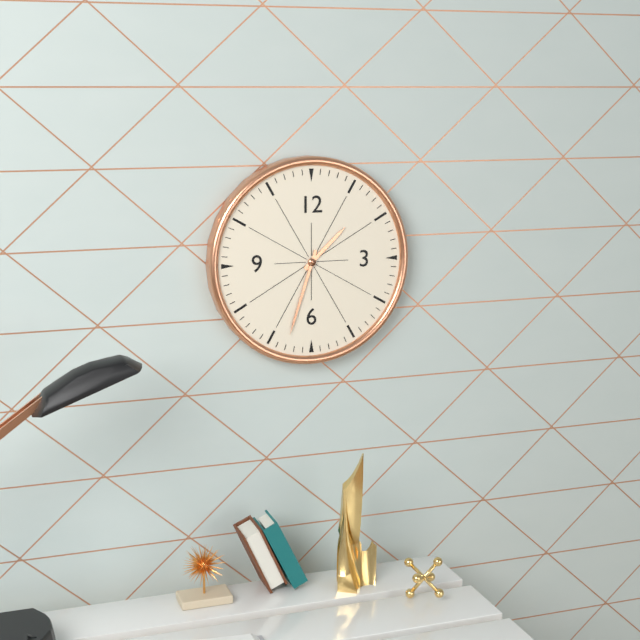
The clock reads 1h33
